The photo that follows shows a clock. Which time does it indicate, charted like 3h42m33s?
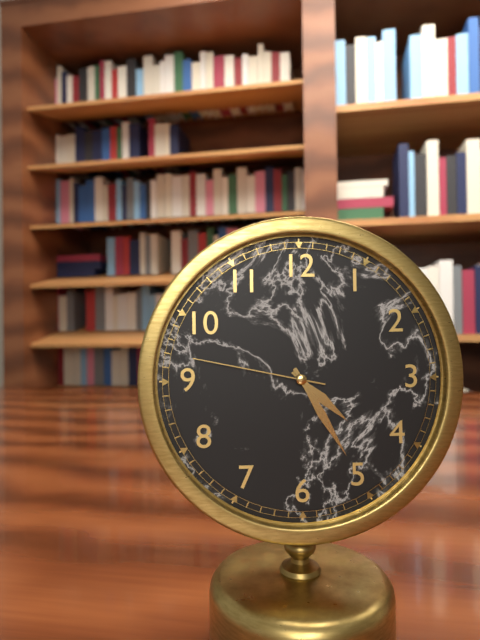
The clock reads 4h25m47s
